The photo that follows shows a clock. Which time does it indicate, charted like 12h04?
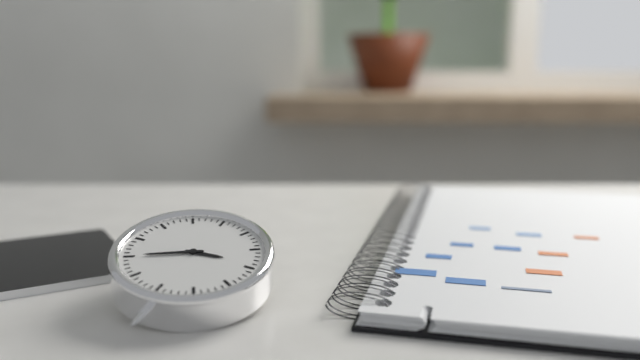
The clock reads 3h45
